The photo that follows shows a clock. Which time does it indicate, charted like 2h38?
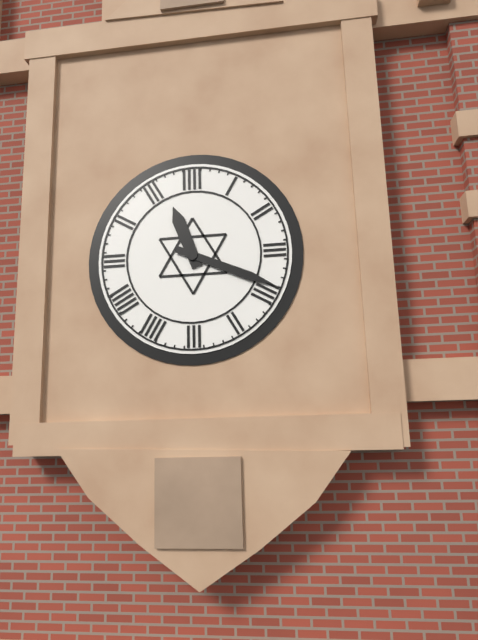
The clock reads 11h19
